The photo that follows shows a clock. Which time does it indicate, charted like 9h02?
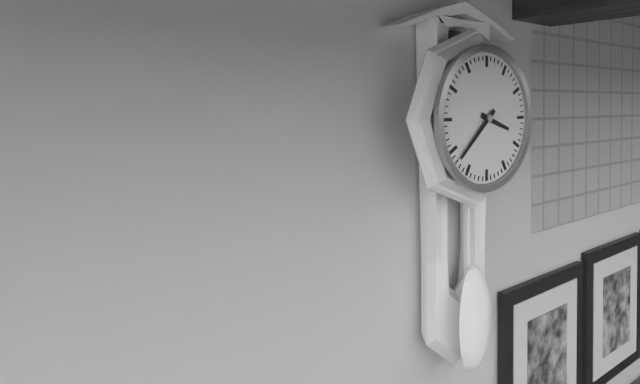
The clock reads 3h38
